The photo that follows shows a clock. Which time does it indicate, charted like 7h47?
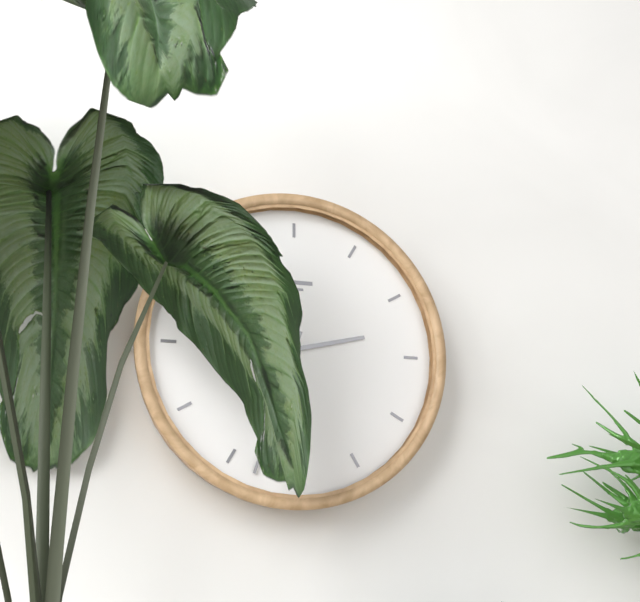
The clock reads 2h33
